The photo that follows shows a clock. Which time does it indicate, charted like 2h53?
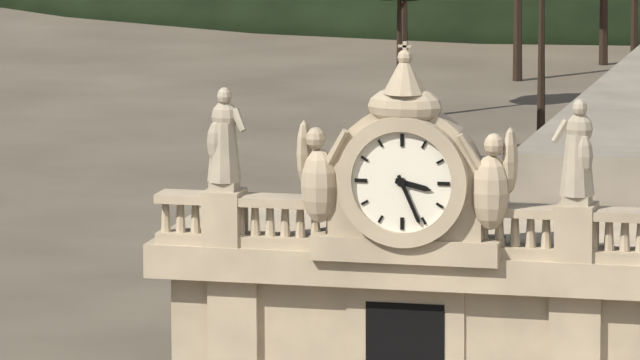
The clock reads 3h26
